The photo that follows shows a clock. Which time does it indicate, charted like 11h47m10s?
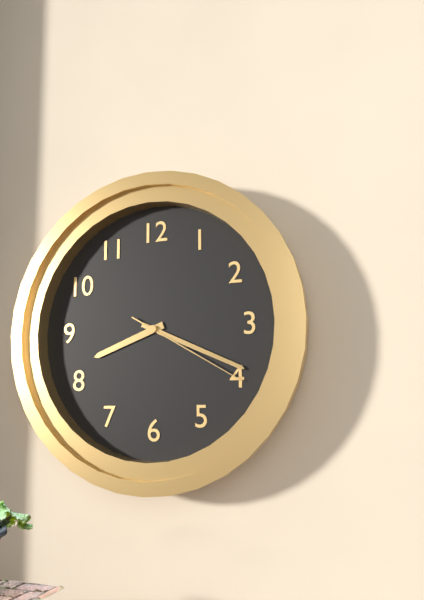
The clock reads 8h19m20s
